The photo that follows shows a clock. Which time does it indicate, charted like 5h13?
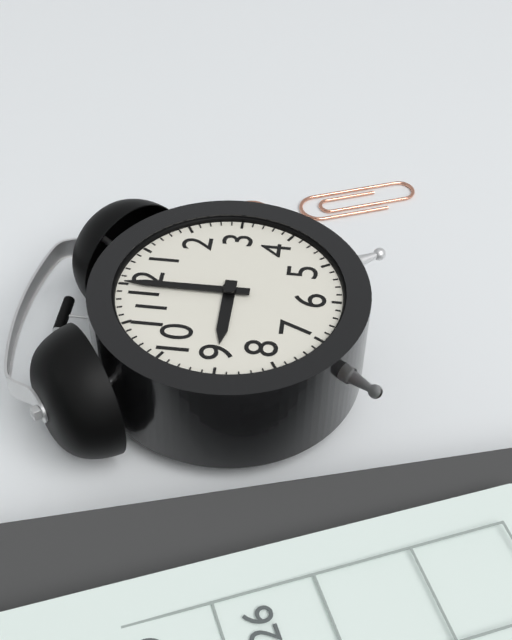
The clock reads 9h00
